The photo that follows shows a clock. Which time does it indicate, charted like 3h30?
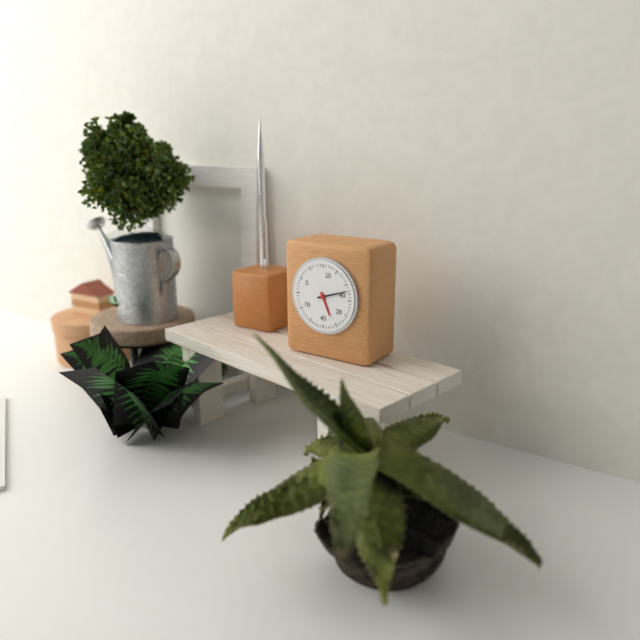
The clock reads 5h12
